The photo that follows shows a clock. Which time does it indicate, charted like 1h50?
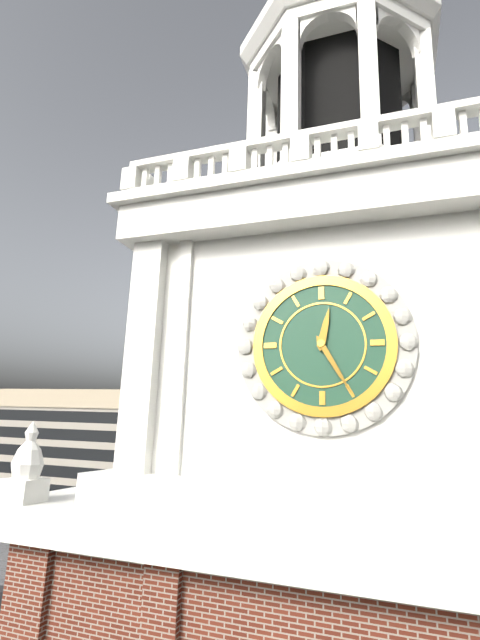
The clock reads 12h25
